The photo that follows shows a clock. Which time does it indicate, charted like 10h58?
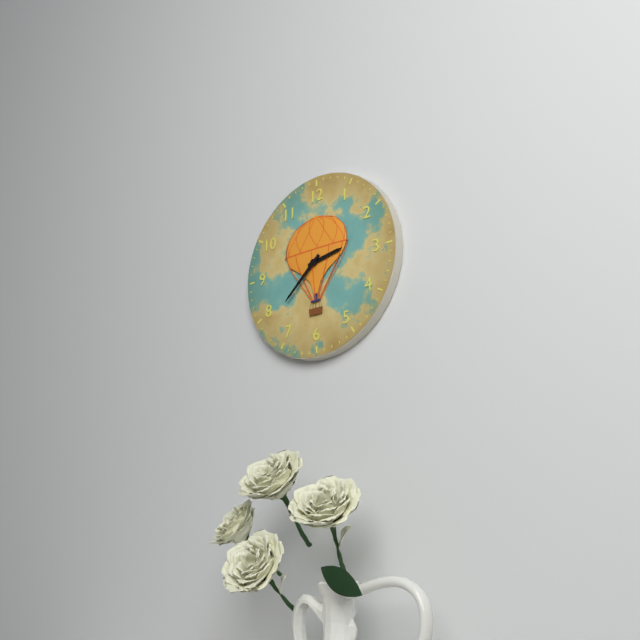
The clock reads 2h38
